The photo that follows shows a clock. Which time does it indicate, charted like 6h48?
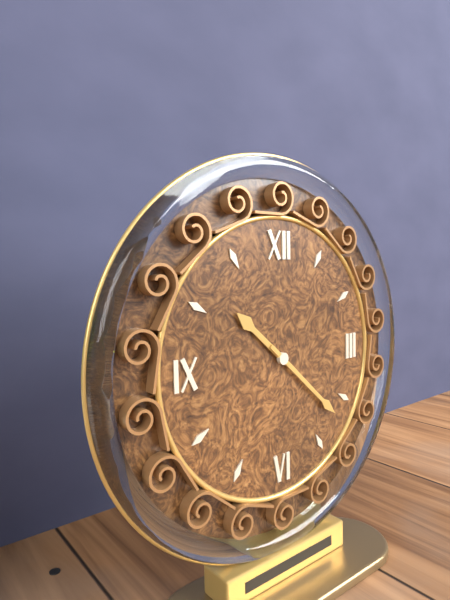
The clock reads 10h22
